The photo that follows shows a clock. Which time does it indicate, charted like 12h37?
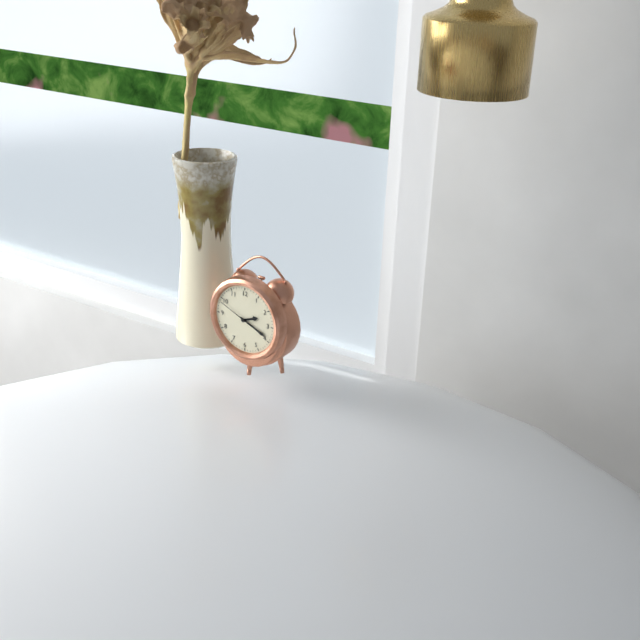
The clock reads 2h19
